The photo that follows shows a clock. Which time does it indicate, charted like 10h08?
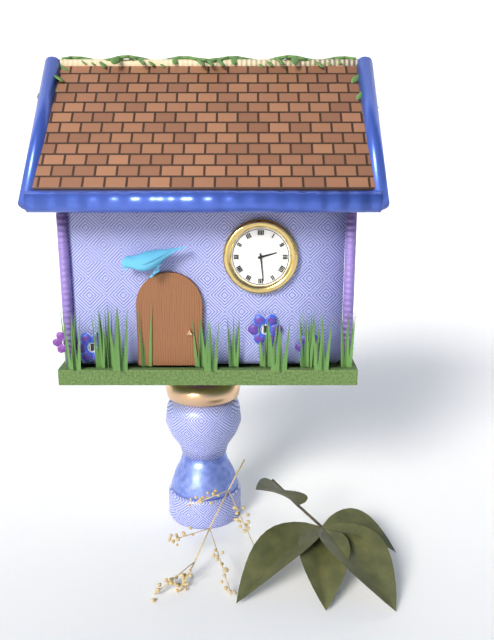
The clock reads 2h29
